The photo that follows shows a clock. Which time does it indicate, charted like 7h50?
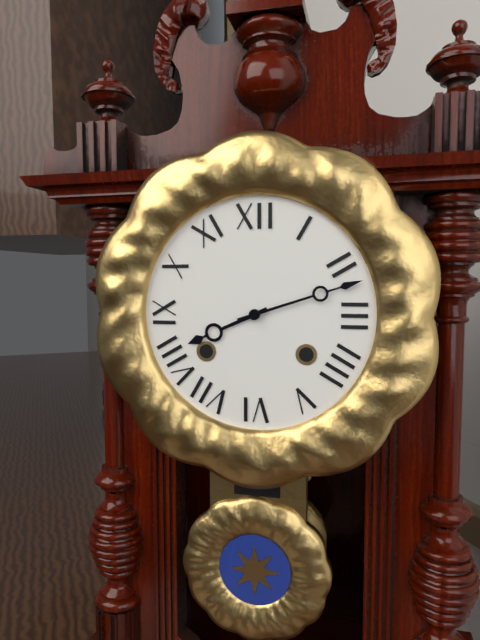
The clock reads 8h12
